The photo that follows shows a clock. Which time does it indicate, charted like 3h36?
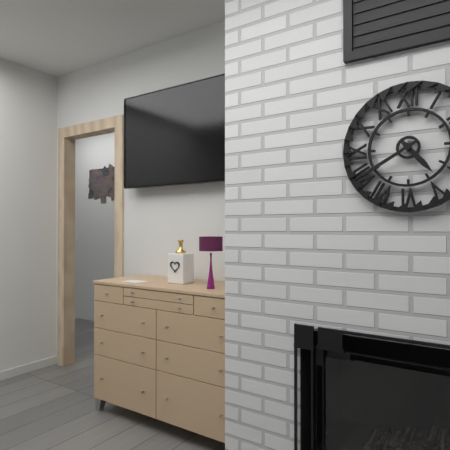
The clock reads 4h40
